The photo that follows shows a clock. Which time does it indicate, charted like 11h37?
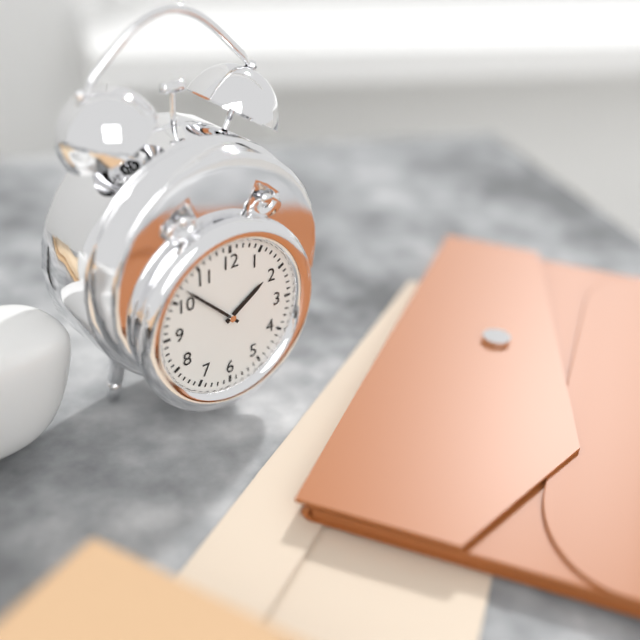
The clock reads 1h52
